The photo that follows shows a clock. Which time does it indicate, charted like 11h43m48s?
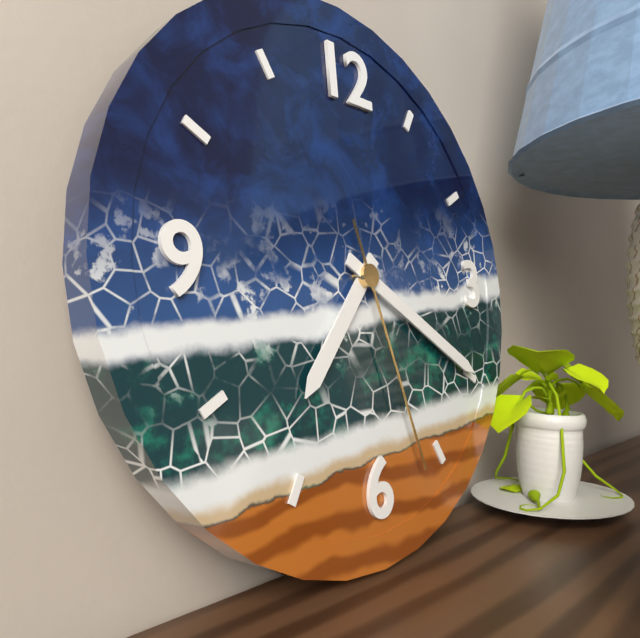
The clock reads 7h20m27s
